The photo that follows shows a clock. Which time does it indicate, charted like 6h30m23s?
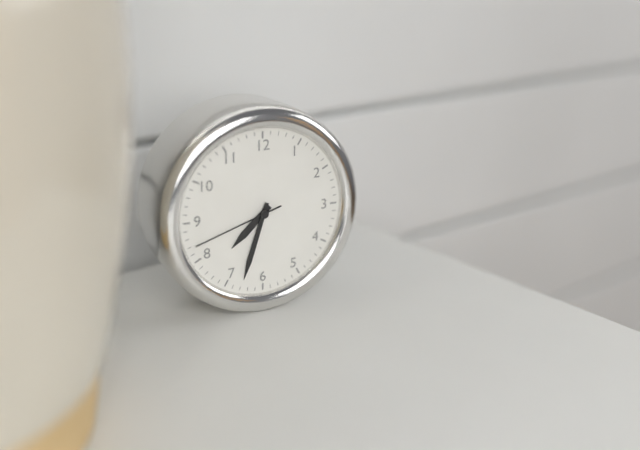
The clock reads 7h33m42s
